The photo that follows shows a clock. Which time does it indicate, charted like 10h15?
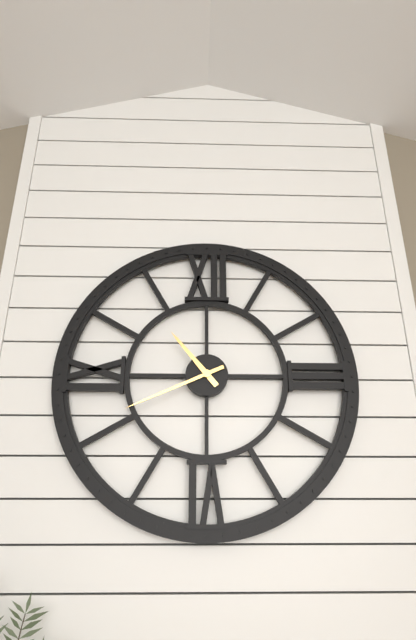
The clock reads 10h41
